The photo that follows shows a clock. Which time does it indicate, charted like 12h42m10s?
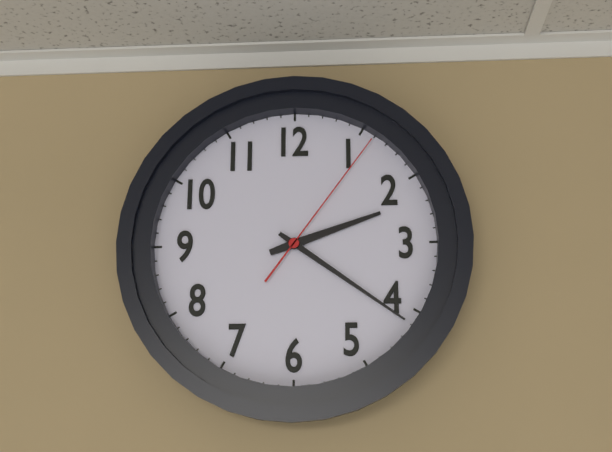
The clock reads 2h21m06s
